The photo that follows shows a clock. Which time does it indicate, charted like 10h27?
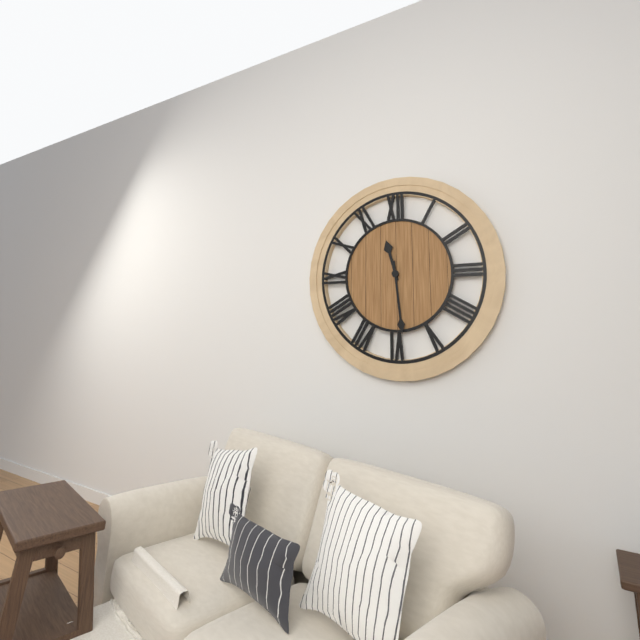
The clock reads 11h29
